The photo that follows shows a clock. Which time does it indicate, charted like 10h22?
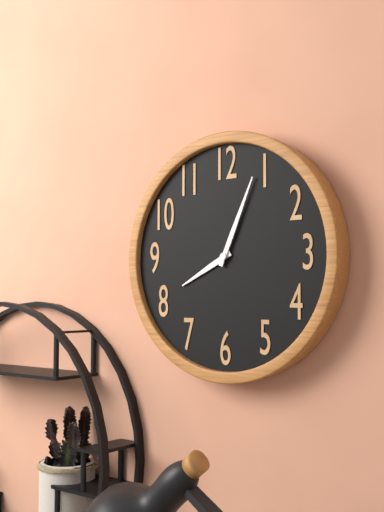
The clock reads 8h04
